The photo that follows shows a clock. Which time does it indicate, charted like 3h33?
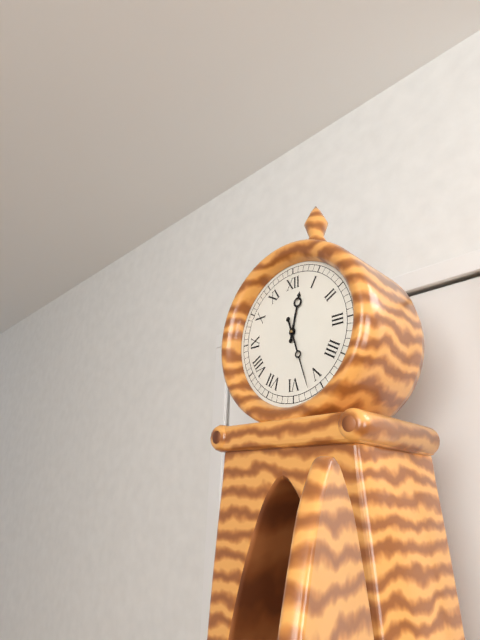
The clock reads 12h27
